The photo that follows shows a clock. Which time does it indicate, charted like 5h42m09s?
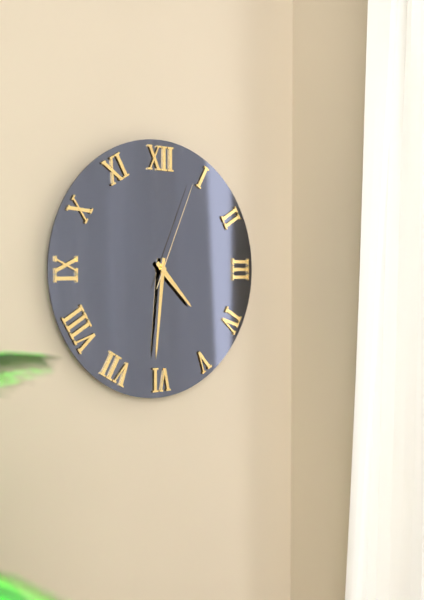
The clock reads 4h31m04s
